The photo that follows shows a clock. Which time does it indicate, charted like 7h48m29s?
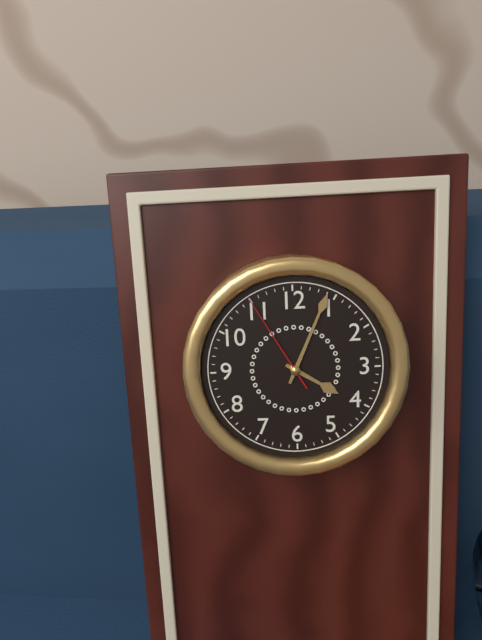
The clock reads 4h04m55s
